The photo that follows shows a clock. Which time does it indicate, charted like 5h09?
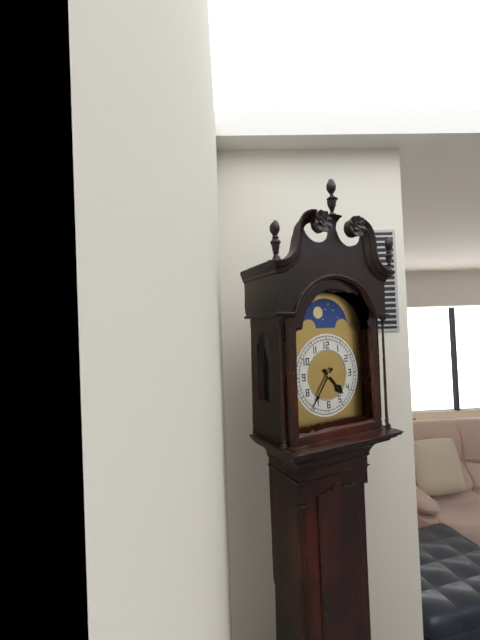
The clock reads 4h36
